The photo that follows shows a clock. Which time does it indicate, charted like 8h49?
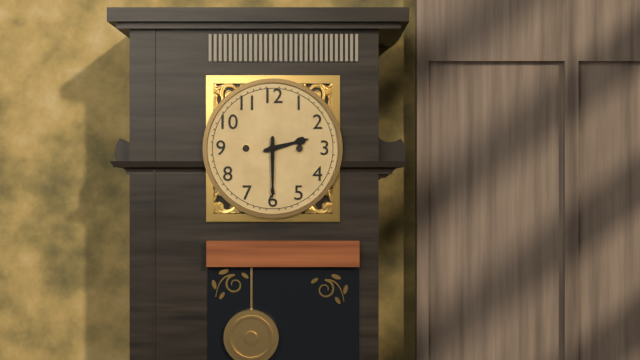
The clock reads 2h30
